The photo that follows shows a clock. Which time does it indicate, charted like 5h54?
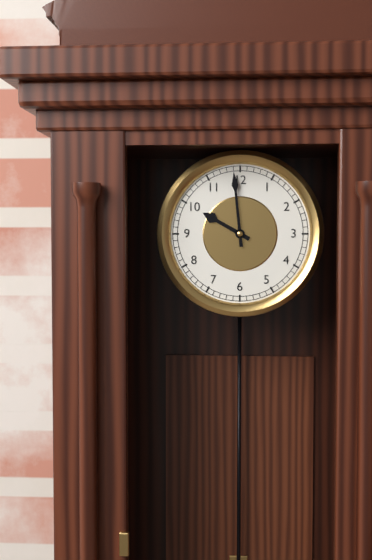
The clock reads 9h59
